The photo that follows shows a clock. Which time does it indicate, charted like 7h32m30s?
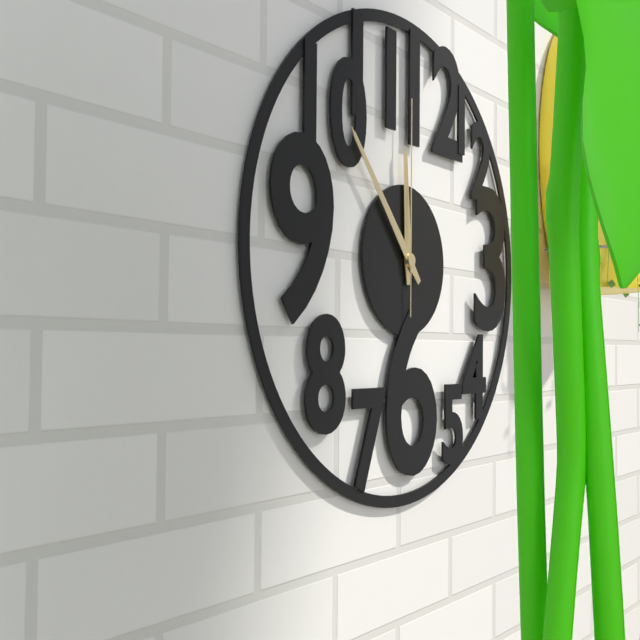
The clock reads 11h53m00s
